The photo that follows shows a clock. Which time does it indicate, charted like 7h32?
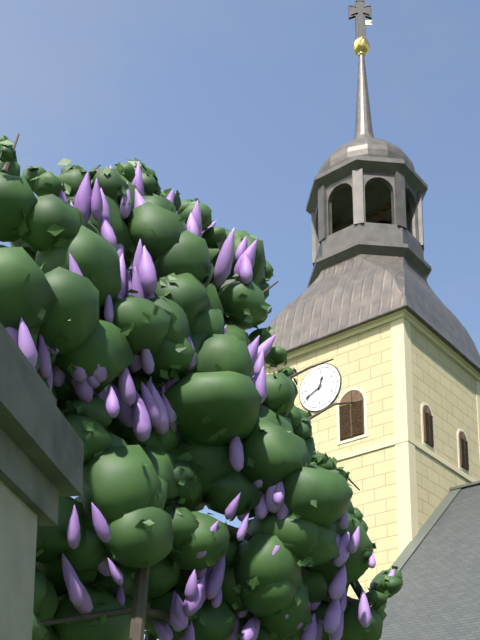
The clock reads 12h41
